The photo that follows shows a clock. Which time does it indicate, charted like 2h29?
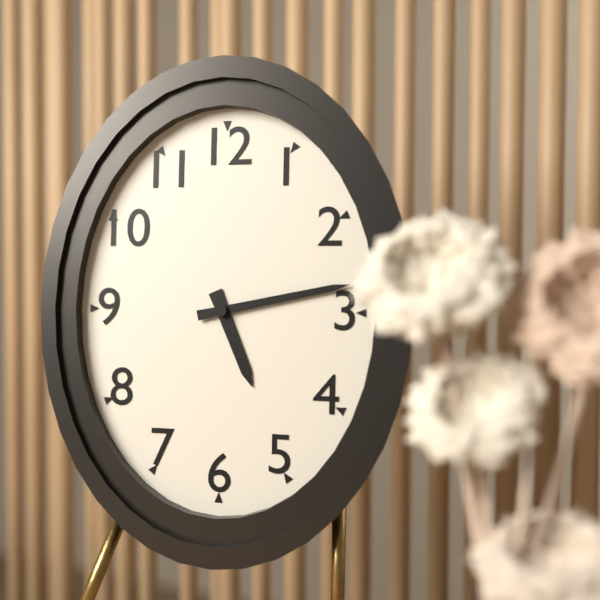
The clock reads 5h13
